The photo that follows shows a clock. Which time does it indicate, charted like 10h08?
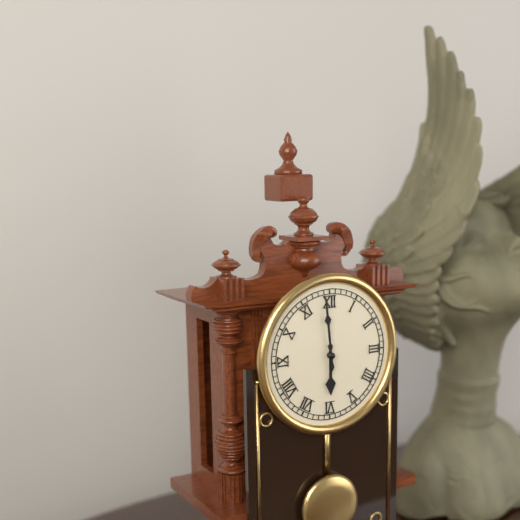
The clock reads 5h59
